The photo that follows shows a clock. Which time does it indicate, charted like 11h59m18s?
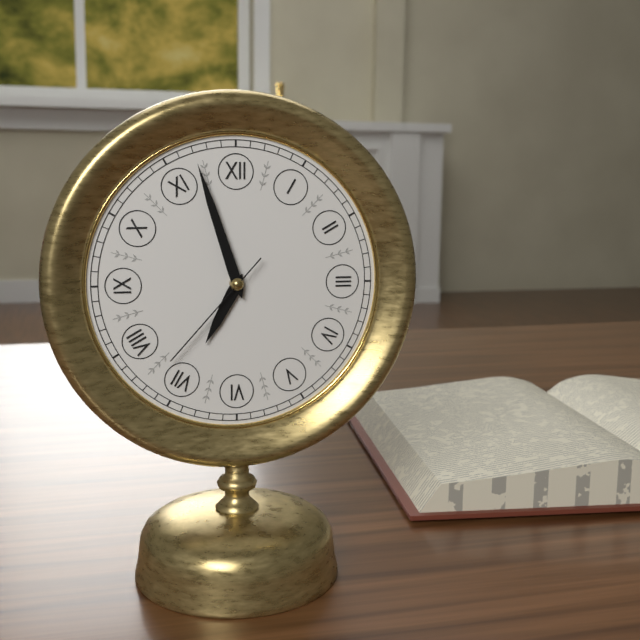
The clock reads 6h57m37s
